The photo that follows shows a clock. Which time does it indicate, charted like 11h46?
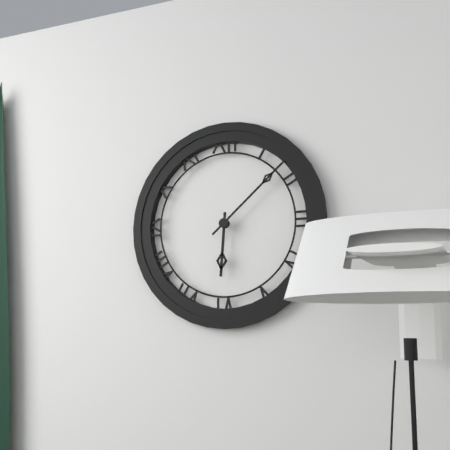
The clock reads 6h08
